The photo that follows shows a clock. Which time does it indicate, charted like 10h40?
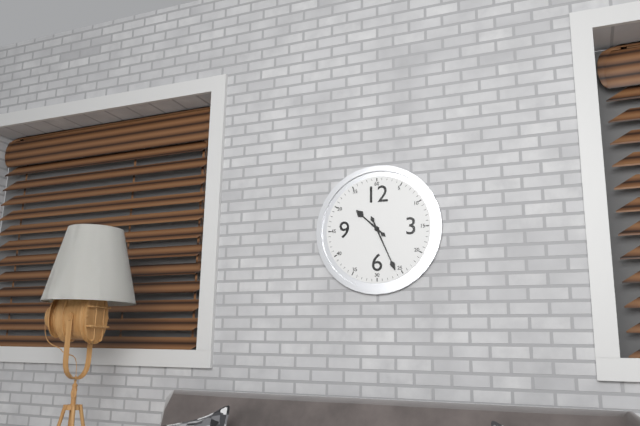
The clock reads 10h26
